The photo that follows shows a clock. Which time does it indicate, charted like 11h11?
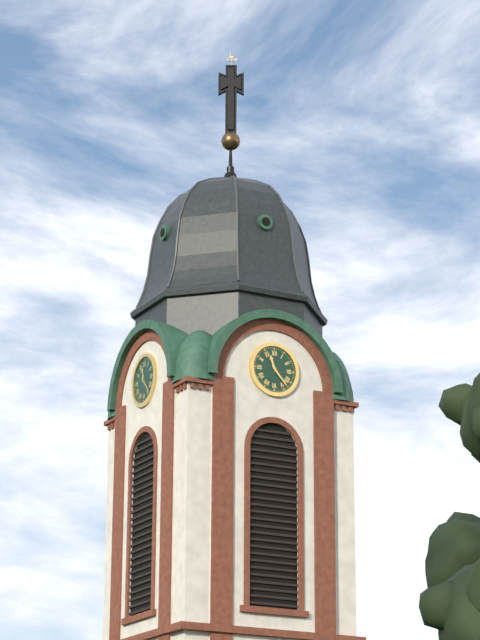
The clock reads 11h23
